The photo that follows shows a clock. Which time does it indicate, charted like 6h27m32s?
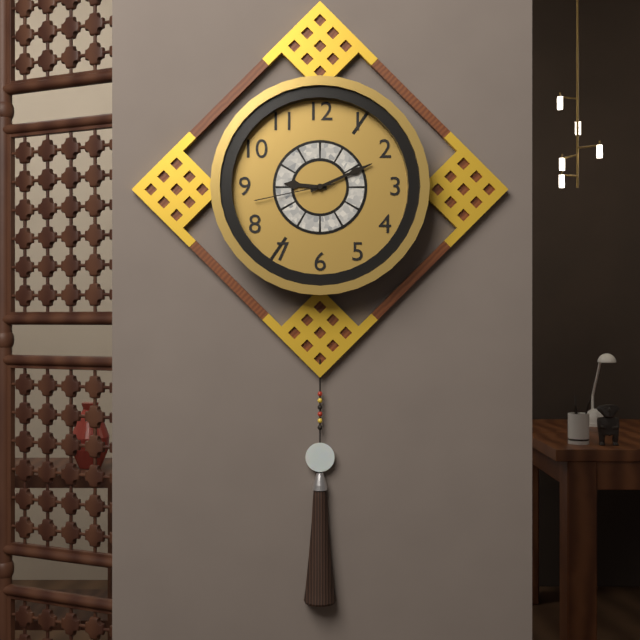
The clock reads 9h11m43s
